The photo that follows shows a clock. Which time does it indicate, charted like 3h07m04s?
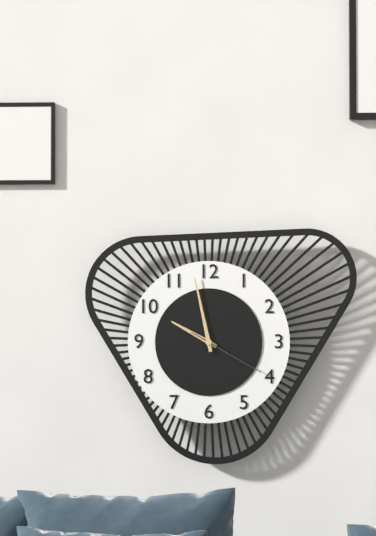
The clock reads 9h58m20s
